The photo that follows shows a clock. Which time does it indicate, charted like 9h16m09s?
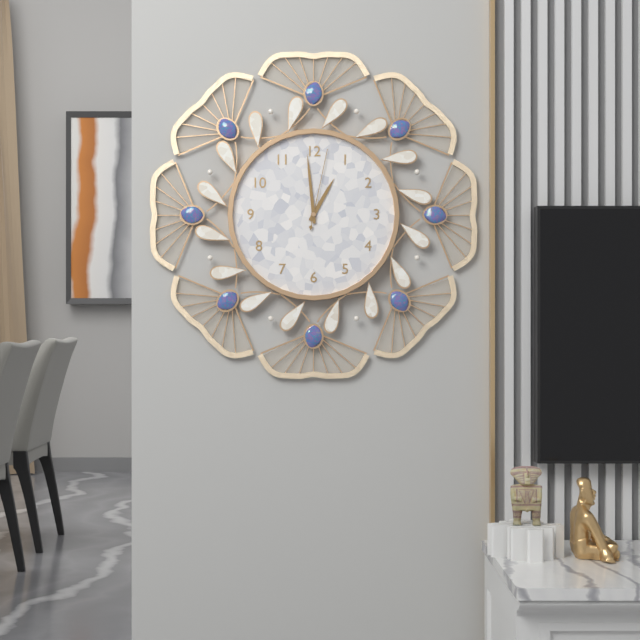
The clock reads 12h59m02s
